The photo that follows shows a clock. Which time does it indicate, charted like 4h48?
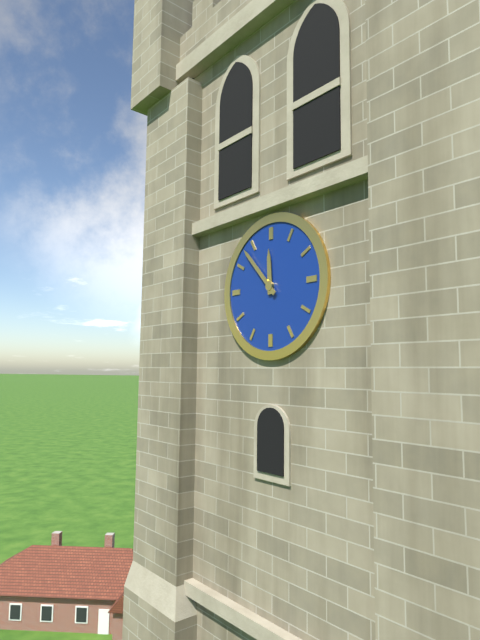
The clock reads 11h53
